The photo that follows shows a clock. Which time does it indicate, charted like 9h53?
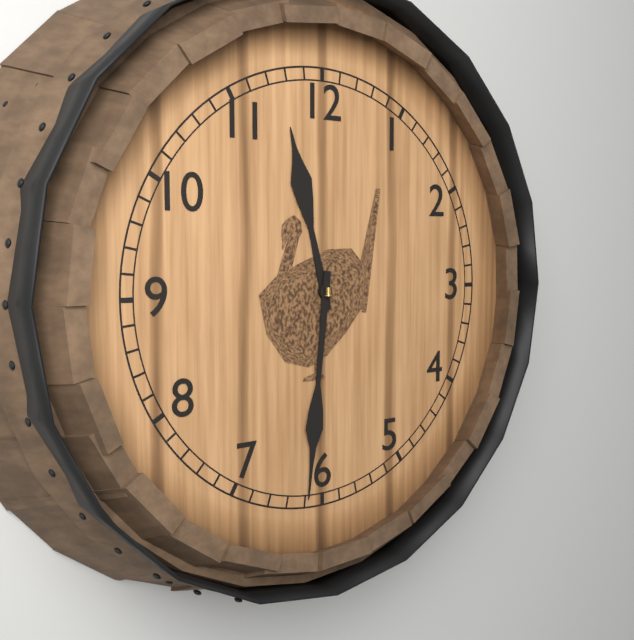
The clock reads 11h31
